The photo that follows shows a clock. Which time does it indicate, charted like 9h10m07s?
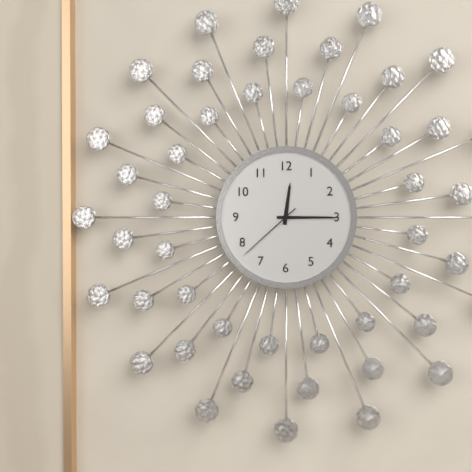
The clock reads 12h15m38s
